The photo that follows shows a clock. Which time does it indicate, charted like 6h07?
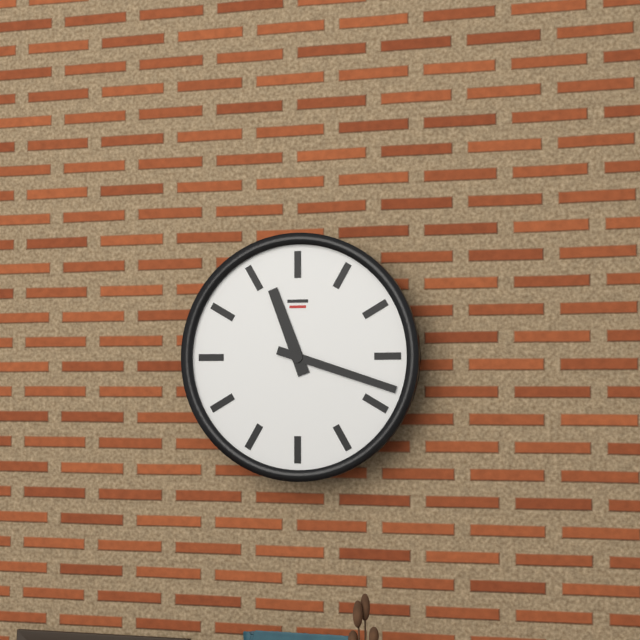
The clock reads 11h18
